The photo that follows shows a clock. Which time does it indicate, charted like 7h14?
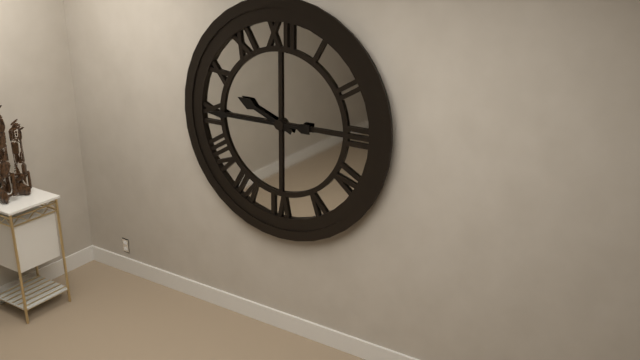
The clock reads 9h45
